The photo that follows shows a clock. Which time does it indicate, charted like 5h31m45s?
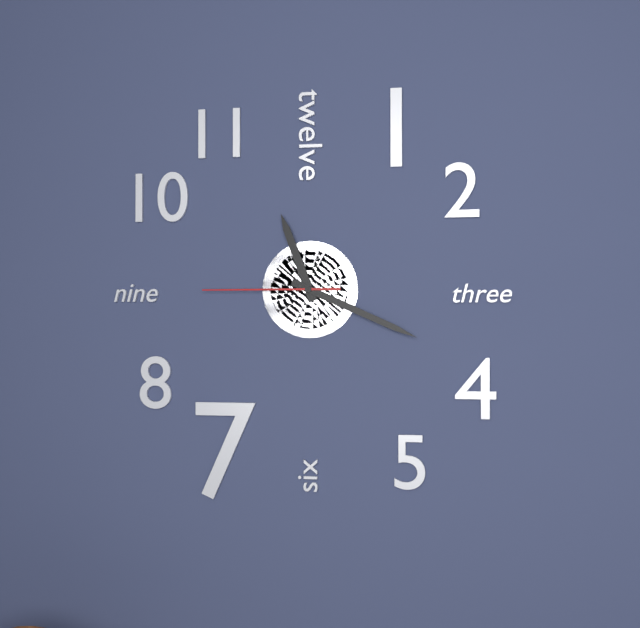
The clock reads 11h19m45s
